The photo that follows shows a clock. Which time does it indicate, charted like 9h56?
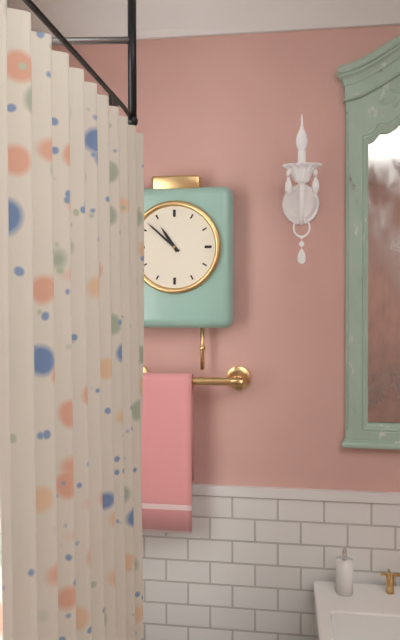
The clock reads 10h52
